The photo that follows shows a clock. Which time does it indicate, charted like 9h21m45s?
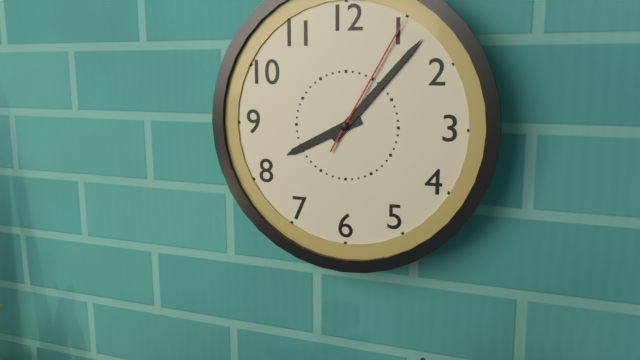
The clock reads 8h07m05s
